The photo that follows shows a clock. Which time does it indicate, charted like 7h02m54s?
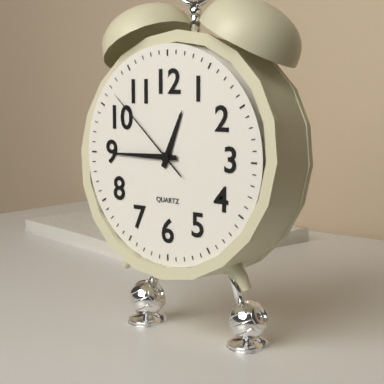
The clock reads 12h45m52s
